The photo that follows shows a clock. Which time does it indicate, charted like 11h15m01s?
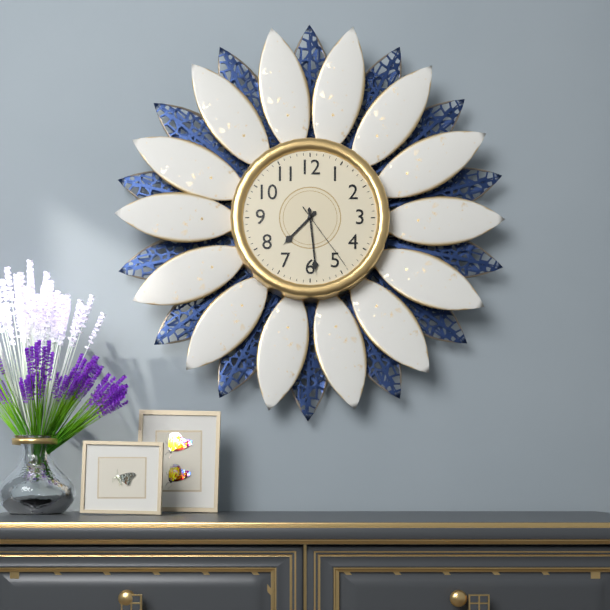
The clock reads 7h29m24s
